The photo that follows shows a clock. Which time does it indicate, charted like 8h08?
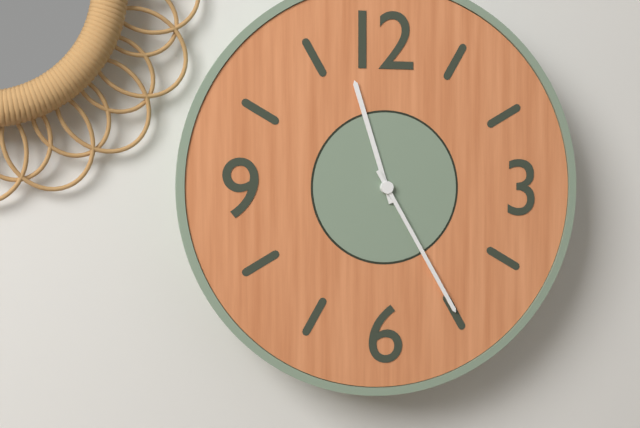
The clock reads 11h25
